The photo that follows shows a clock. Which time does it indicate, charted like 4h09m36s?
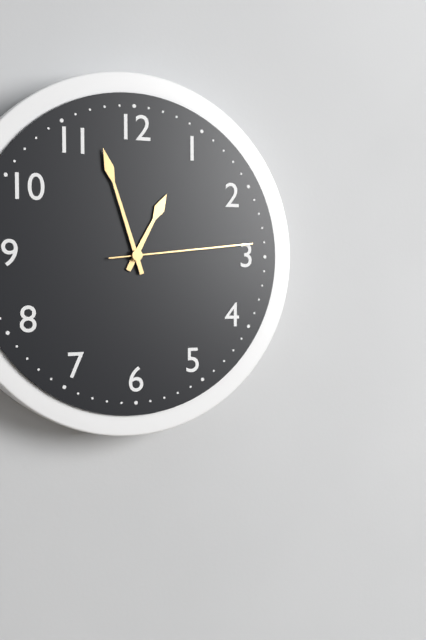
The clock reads 12h57m14s
